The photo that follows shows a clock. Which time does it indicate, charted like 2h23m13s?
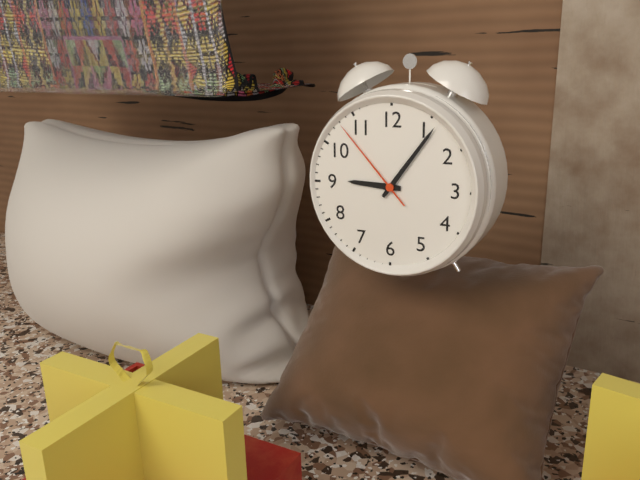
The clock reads 9h06m53s
